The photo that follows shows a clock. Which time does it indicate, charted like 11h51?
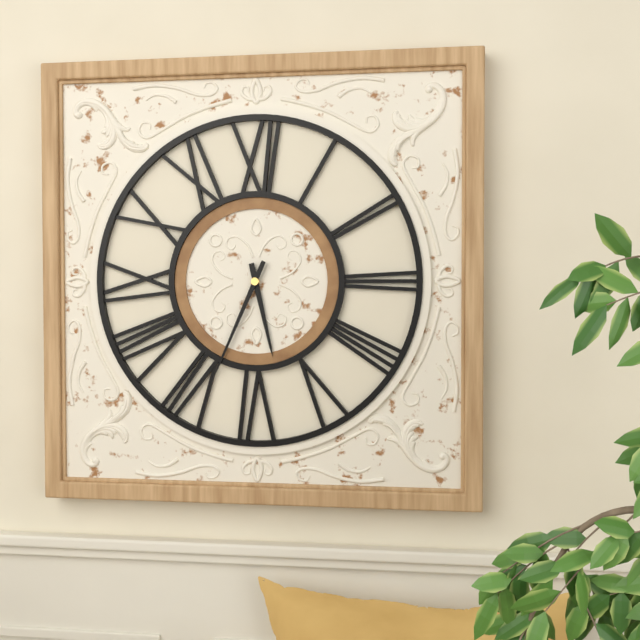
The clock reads 5h34
